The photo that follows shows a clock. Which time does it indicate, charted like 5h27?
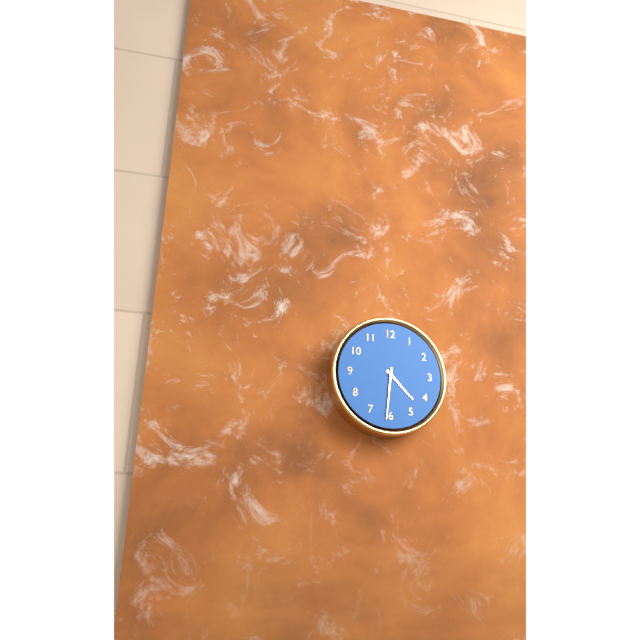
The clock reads 4h31
